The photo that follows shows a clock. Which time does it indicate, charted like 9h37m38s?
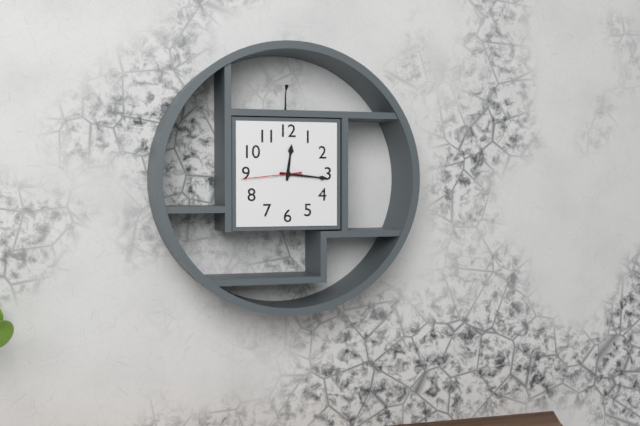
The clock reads 12h16m44s
